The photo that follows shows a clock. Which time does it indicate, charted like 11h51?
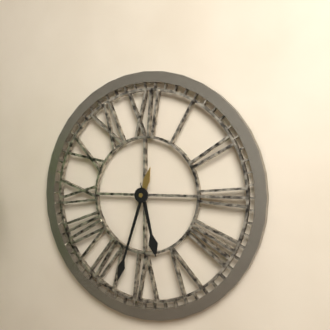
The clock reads 5h33
